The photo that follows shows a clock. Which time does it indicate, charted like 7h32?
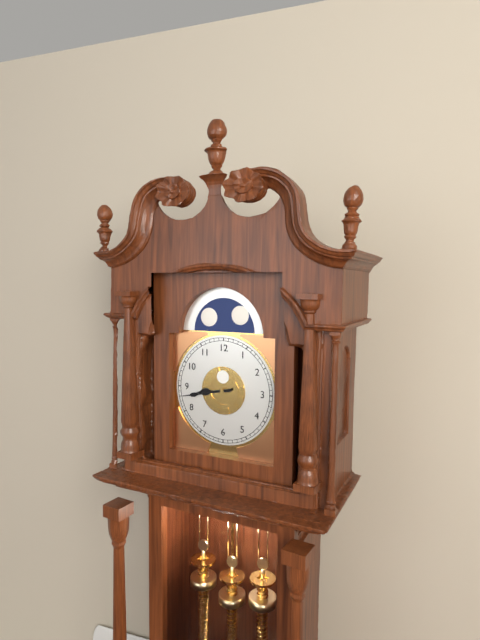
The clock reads 8h43
